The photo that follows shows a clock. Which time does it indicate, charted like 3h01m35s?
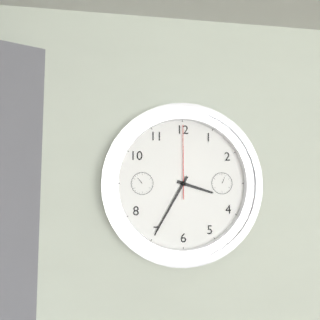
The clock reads 3h35m00s
